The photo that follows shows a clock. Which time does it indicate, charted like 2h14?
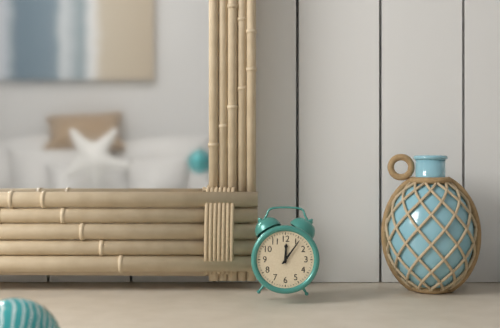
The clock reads 12h06
